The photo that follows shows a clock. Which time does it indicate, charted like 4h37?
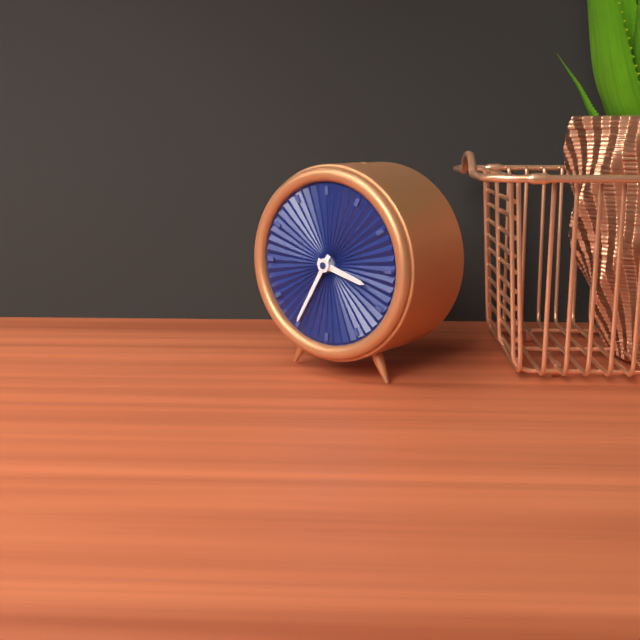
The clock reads 3h35
